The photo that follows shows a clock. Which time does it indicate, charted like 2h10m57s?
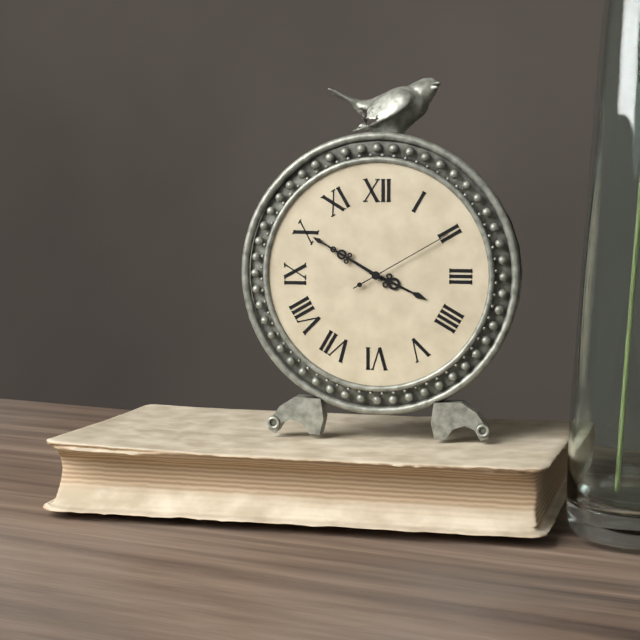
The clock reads 3h50m10s
